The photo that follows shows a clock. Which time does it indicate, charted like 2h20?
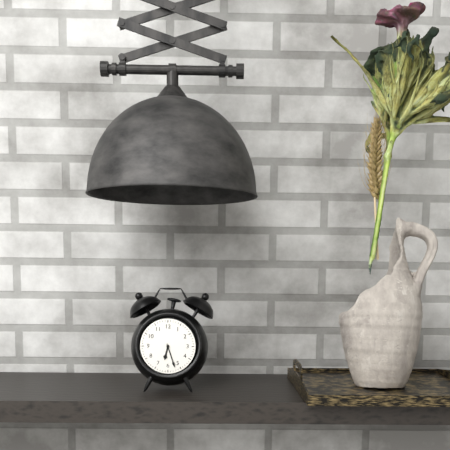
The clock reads 6h27
